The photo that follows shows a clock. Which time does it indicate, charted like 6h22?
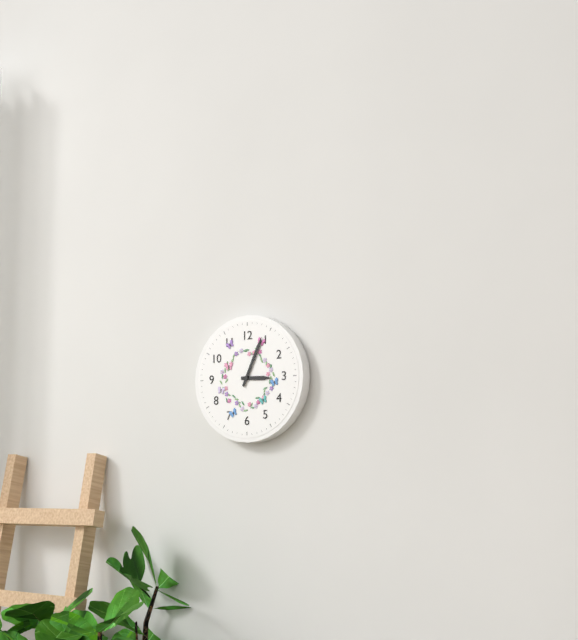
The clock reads 3h04
